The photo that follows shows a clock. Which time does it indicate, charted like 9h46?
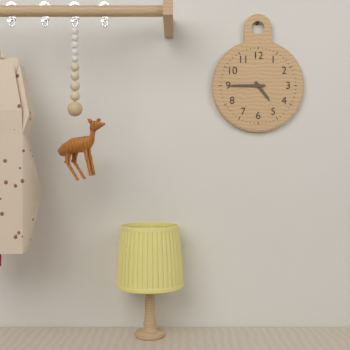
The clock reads 4h45
